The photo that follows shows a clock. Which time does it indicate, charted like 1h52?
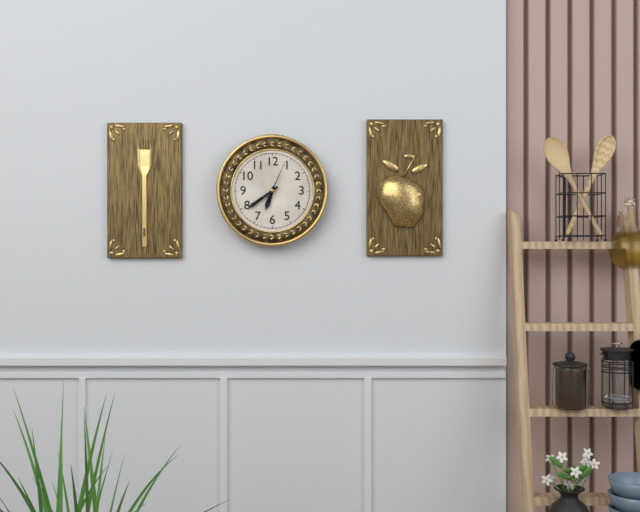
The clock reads 6h39
